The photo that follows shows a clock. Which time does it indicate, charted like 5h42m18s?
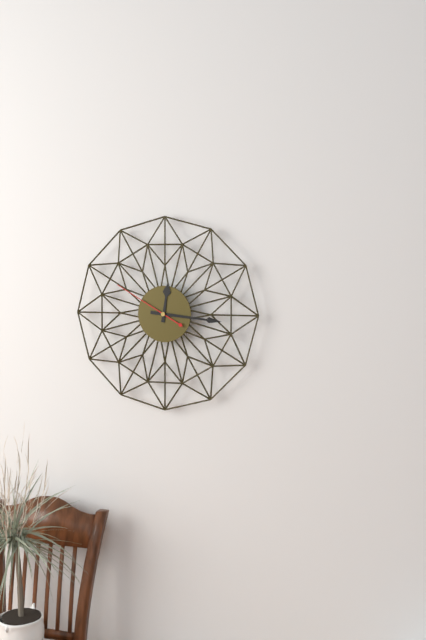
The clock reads 12h16m50s
